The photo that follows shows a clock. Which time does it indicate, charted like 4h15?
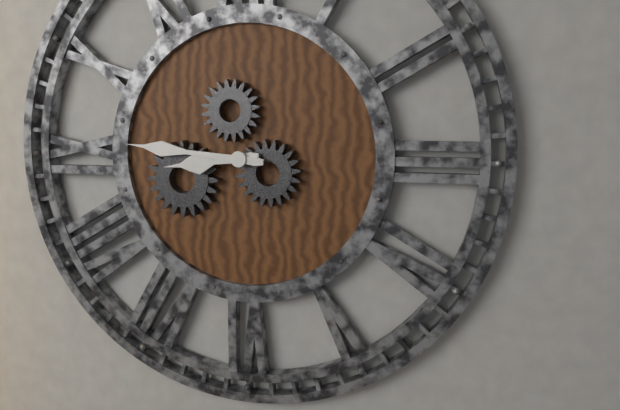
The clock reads 8h46
